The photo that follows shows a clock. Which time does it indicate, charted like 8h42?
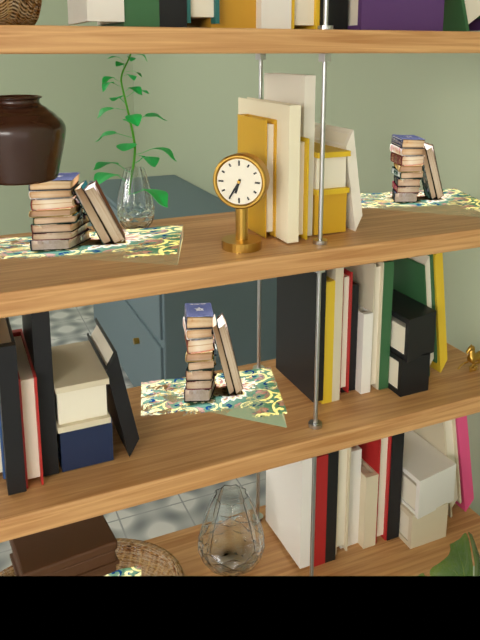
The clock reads 6h35
